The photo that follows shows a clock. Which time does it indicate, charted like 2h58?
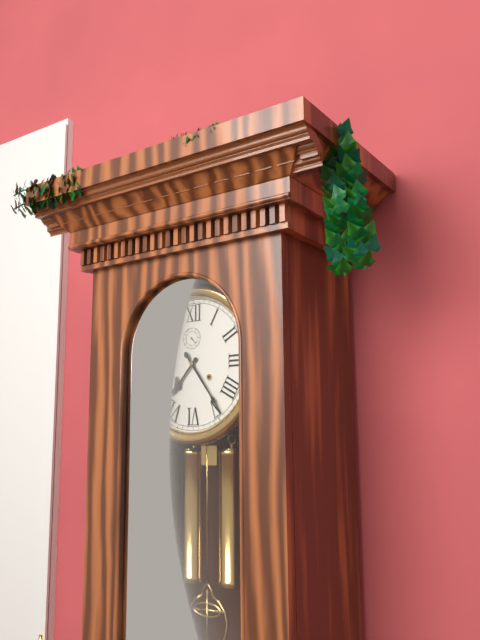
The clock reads 7h24
